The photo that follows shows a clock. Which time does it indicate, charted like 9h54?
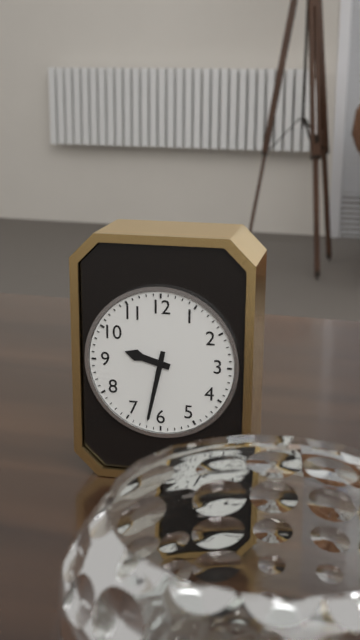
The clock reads 9h32
